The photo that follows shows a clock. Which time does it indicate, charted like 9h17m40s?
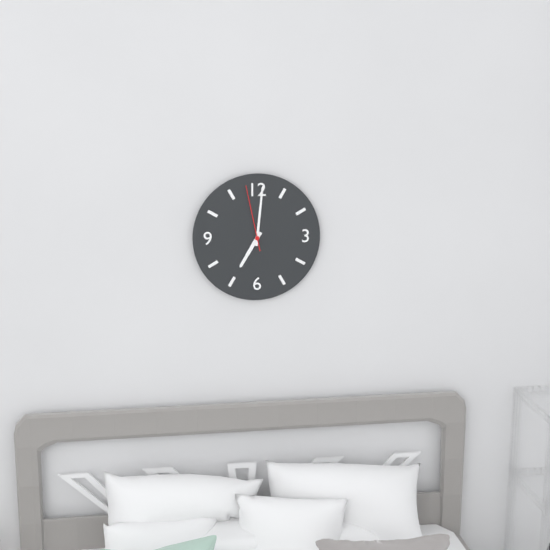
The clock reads 7h01m58s
